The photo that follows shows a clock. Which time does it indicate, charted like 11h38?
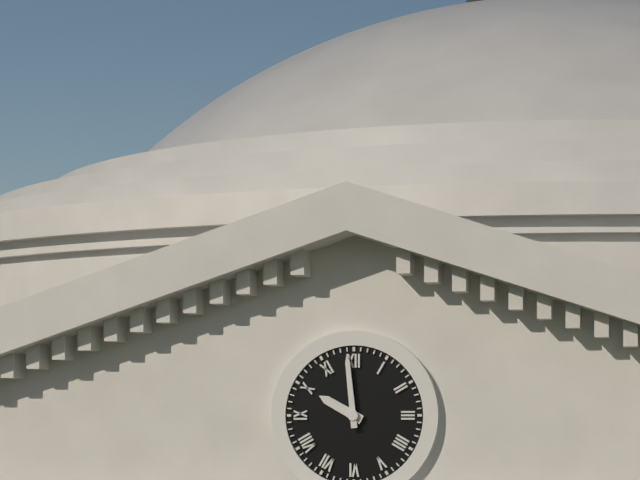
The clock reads 9h59
